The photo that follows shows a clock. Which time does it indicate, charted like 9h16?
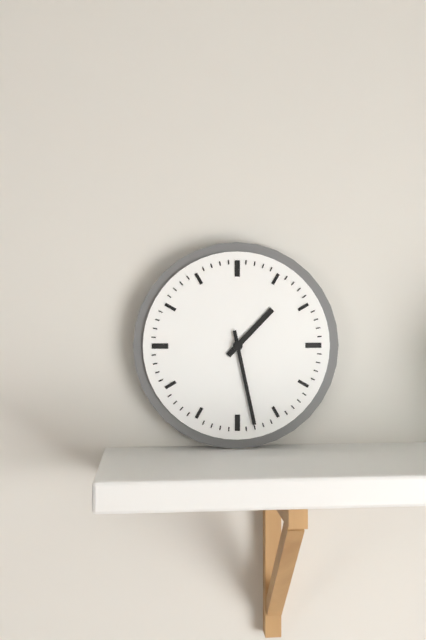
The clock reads 1h28
